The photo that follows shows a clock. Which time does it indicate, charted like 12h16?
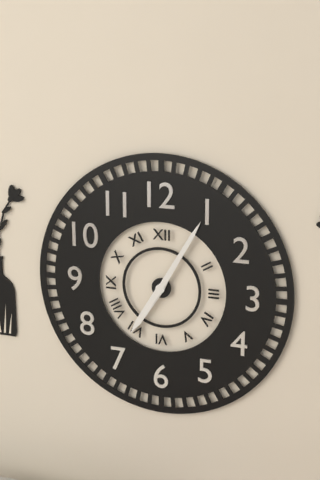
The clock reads 7h05
